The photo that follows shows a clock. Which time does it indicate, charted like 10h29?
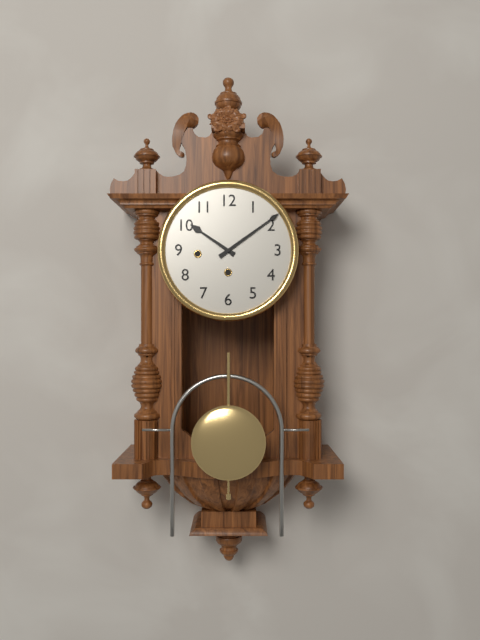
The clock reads 10h09
